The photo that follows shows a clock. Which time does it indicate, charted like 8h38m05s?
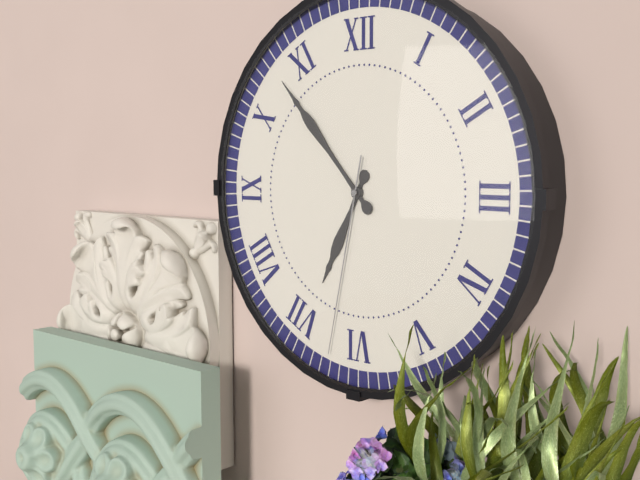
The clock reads 6h53m32s
